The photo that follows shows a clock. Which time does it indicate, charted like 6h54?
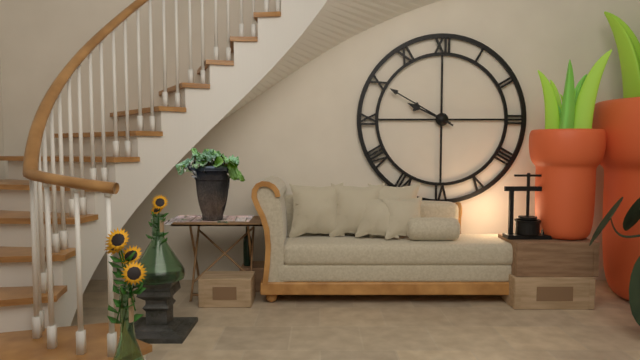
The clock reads 9h50
